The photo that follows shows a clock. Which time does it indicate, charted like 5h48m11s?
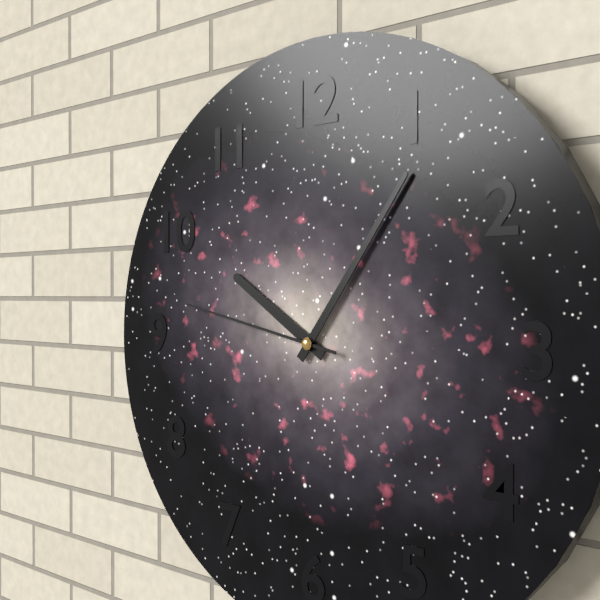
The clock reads 10h06m47s
